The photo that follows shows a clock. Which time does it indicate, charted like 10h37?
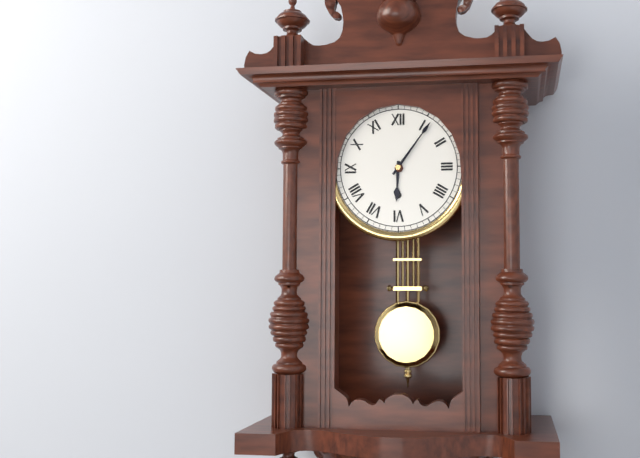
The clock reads 6h06
